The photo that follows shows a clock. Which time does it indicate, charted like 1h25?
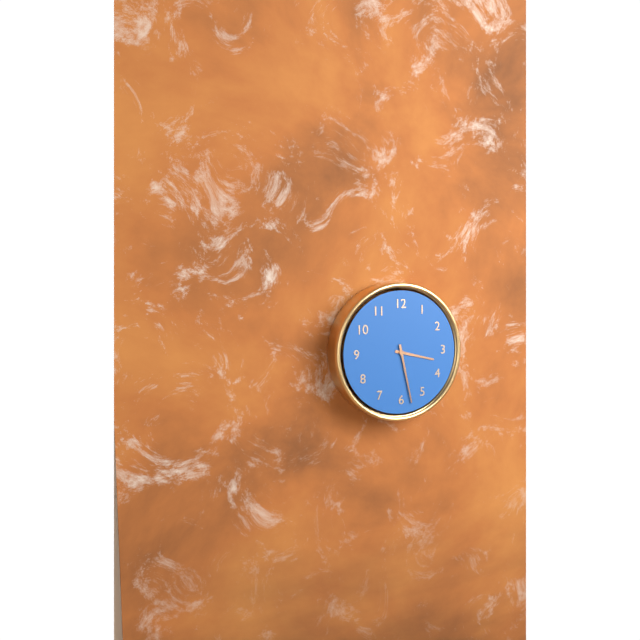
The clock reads 3h28
